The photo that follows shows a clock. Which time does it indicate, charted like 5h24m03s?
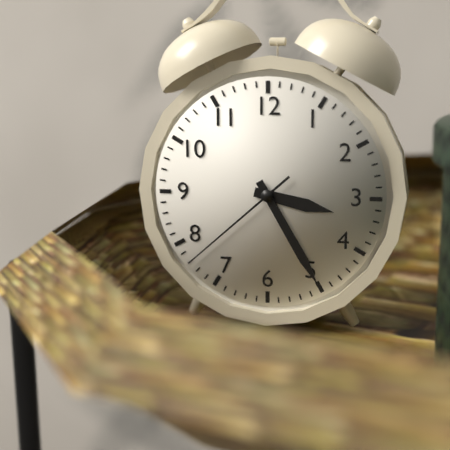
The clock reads 3h25m38s
